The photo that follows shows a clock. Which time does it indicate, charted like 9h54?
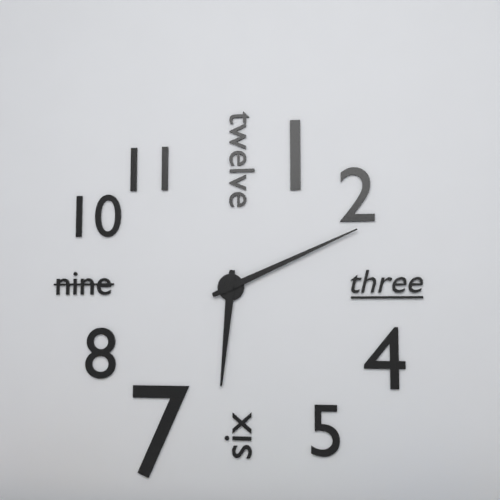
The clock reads 6h11
